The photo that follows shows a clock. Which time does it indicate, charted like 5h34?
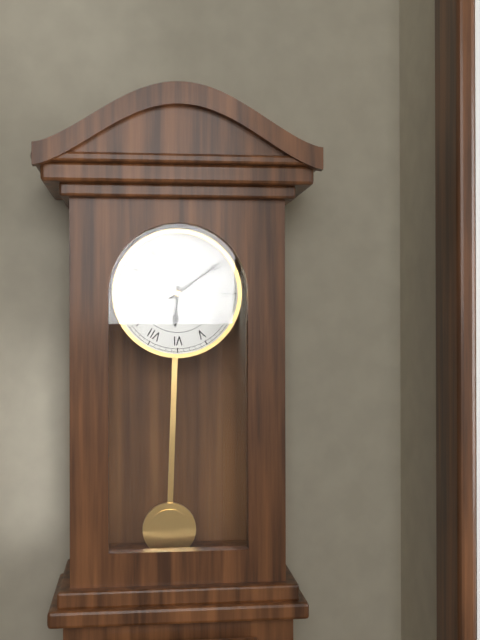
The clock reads 6h09
